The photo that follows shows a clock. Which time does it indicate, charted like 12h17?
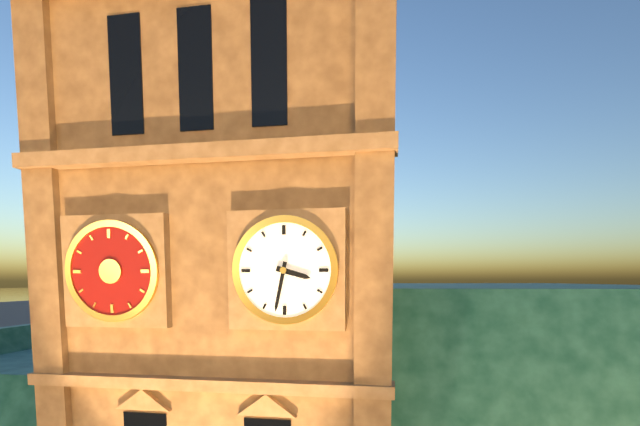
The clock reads 3h32
